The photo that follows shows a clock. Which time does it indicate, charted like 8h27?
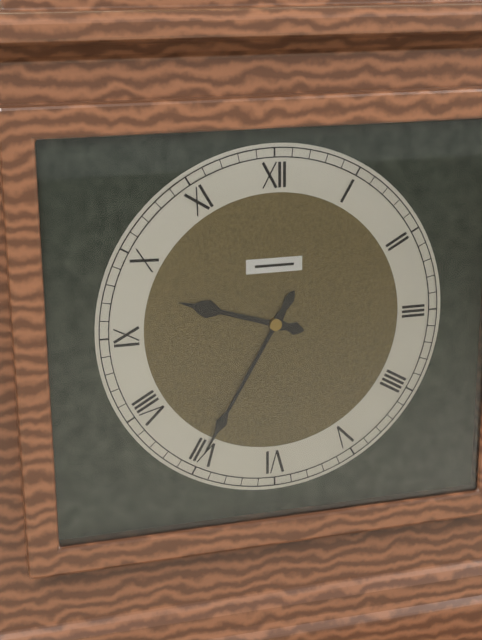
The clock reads 9h35
